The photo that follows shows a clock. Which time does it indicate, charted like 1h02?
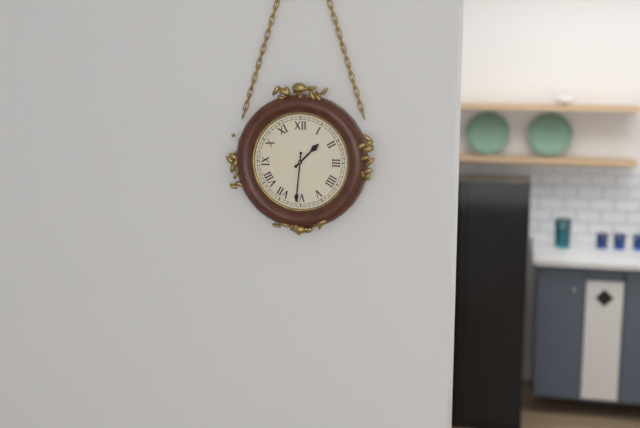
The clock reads 1h31
